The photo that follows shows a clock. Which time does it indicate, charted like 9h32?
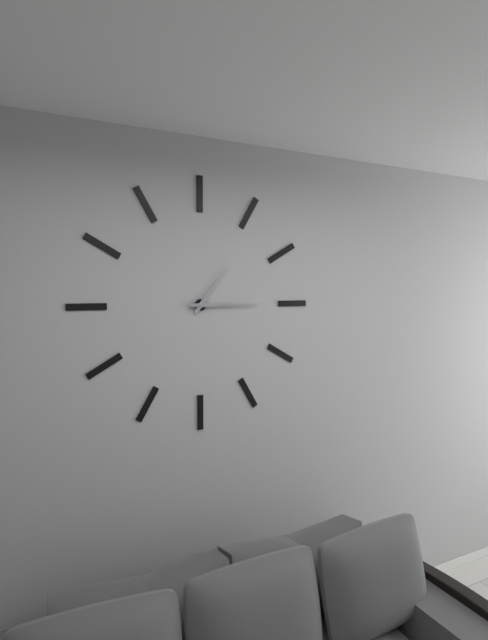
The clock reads 1h15
